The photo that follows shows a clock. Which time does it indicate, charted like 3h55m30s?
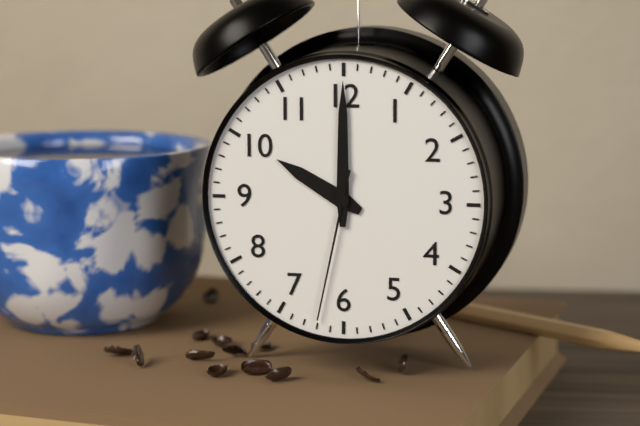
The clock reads 10h00m32s
